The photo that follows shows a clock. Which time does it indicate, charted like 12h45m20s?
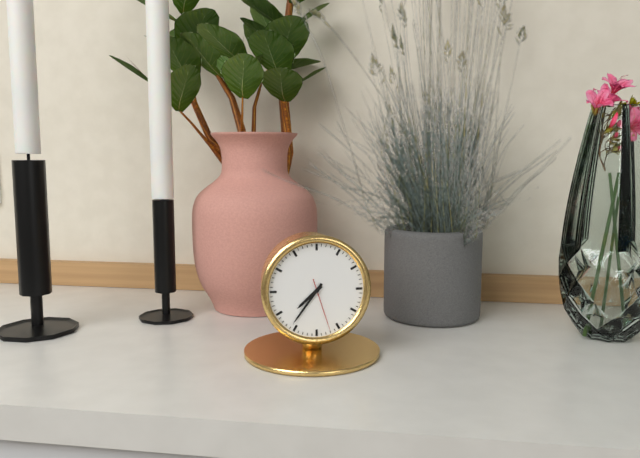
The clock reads 7h36m27s
